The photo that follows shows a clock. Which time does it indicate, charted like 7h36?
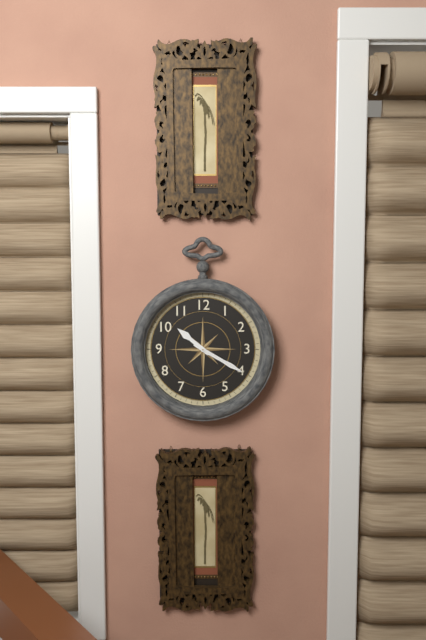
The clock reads 10h20
